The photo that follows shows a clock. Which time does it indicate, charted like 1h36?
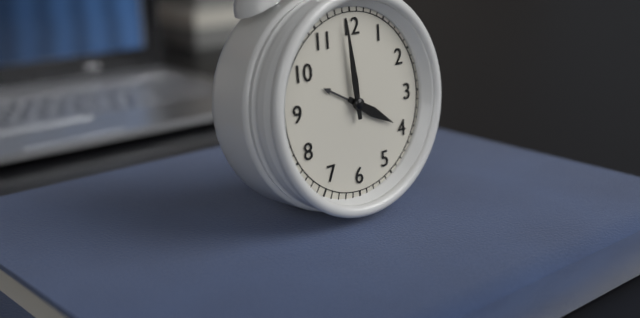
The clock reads 3h59
